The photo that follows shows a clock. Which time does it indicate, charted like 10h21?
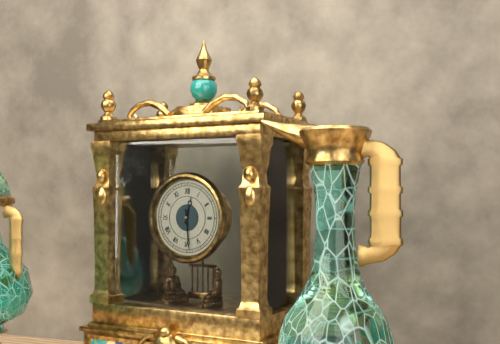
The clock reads 12h29
